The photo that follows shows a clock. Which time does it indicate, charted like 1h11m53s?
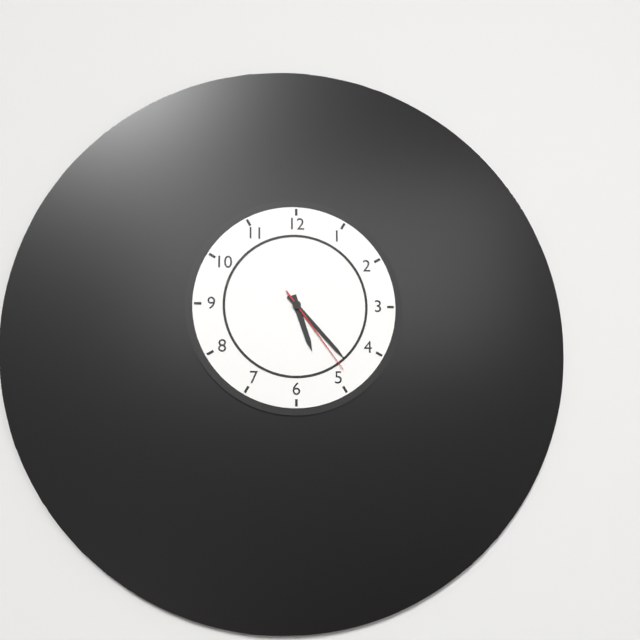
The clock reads 5h23m24s
